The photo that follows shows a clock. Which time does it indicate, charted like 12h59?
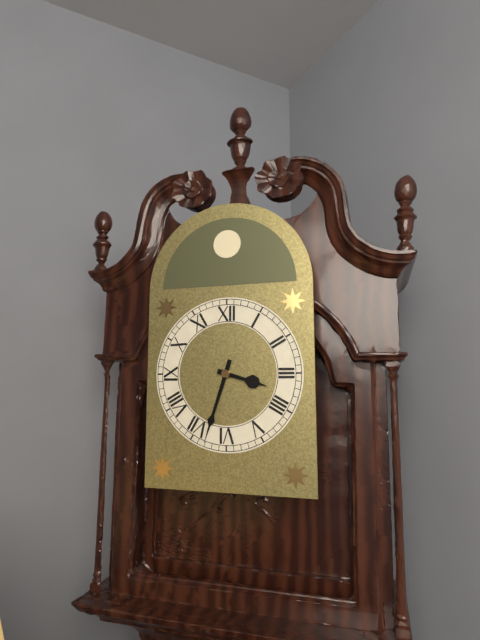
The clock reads 3h33
